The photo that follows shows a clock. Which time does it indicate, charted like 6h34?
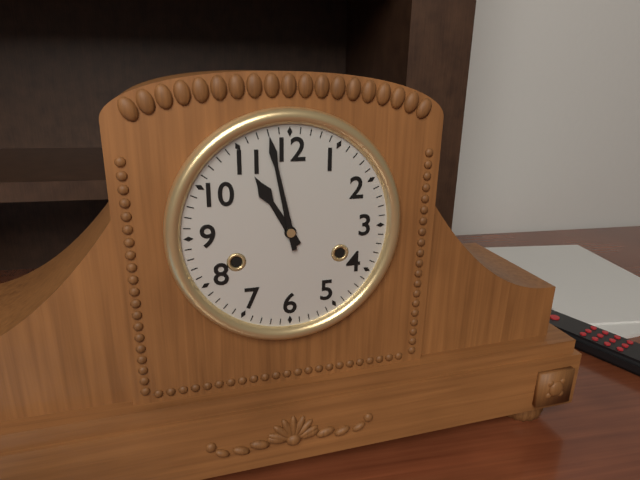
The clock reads 10h58
